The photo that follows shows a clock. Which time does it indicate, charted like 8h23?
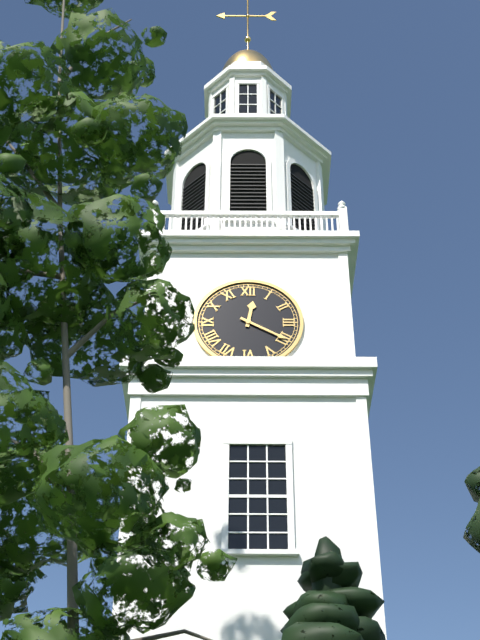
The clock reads 12h20
